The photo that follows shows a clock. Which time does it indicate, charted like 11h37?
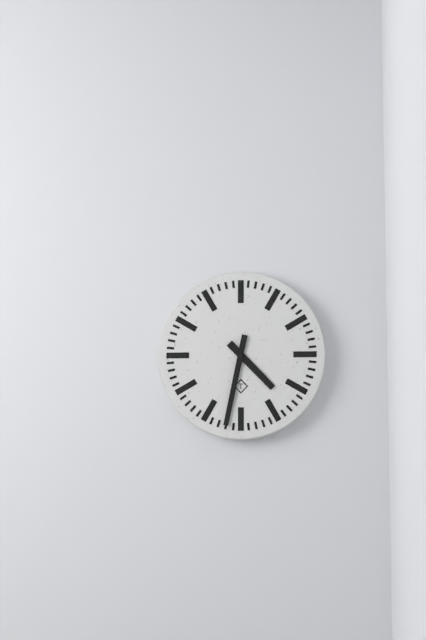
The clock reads 4h32
